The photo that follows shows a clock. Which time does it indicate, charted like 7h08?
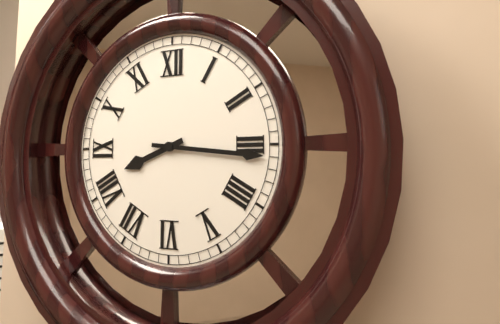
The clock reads 8h16
